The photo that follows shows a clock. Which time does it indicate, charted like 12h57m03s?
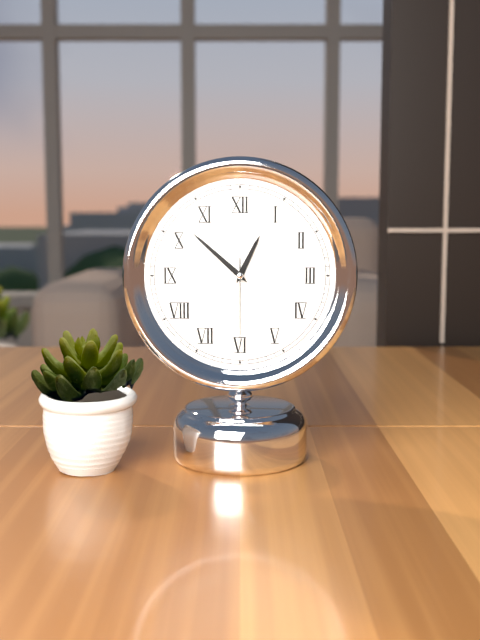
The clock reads 12h52m30s
